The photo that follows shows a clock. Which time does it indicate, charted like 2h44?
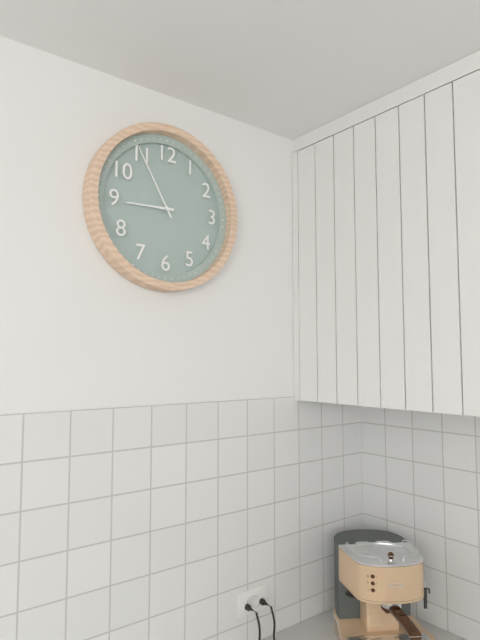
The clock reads 8h55
